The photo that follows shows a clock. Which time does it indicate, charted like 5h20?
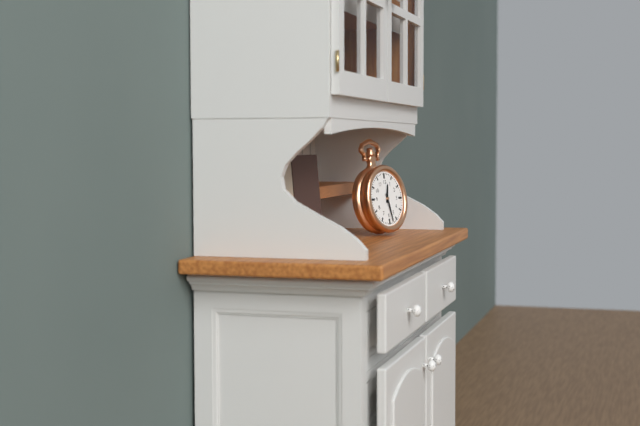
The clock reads 12h28
